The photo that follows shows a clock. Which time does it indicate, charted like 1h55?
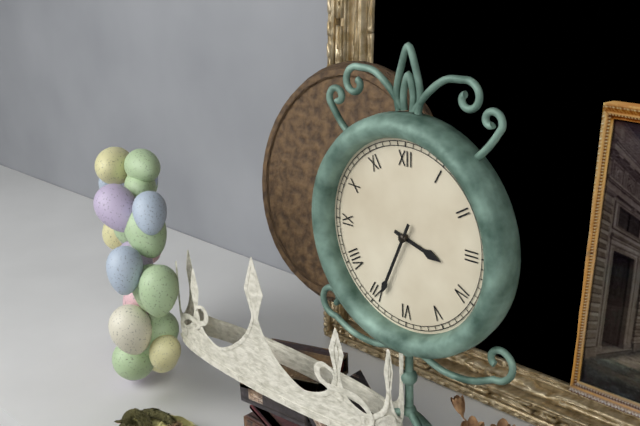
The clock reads 3h34
